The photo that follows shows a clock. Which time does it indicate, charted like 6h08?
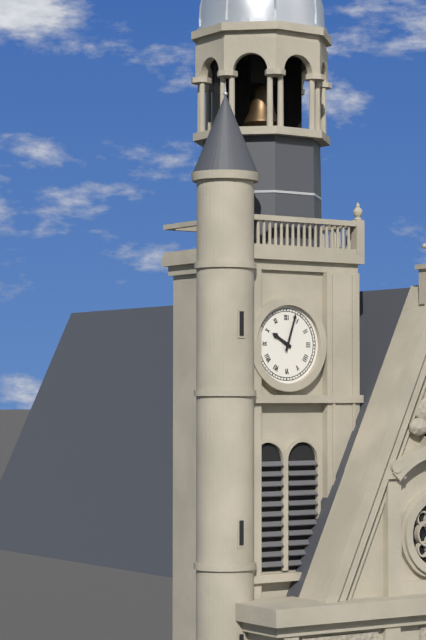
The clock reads 10h03
